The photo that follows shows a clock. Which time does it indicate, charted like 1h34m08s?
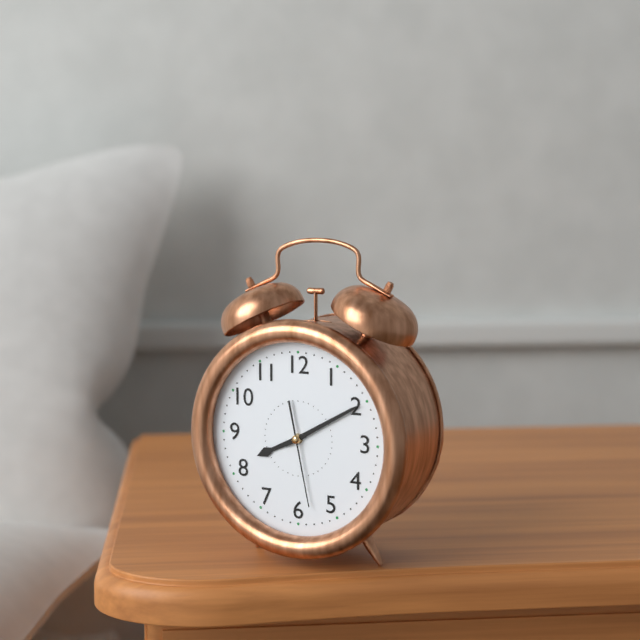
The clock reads 8h10m28s
